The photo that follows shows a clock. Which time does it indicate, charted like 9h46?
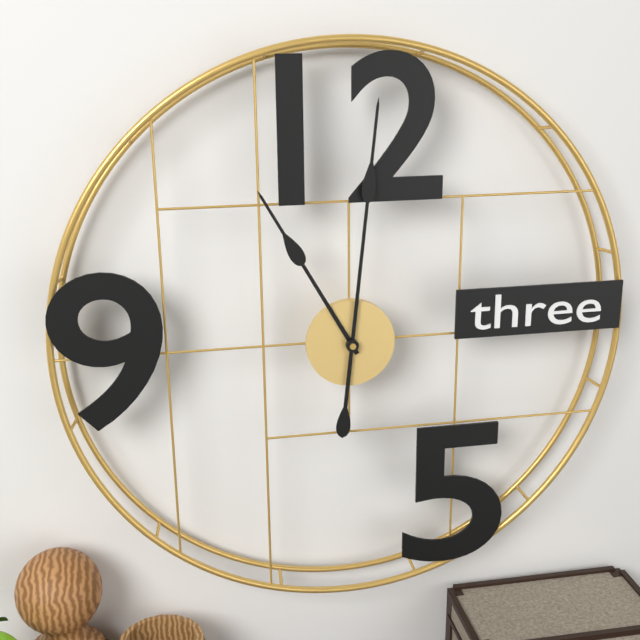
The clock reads 11h01
